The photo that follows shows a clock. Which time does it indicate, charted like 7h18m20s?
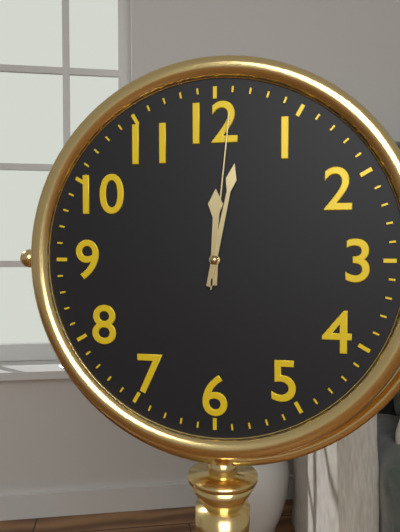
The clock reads 12h02m01s
